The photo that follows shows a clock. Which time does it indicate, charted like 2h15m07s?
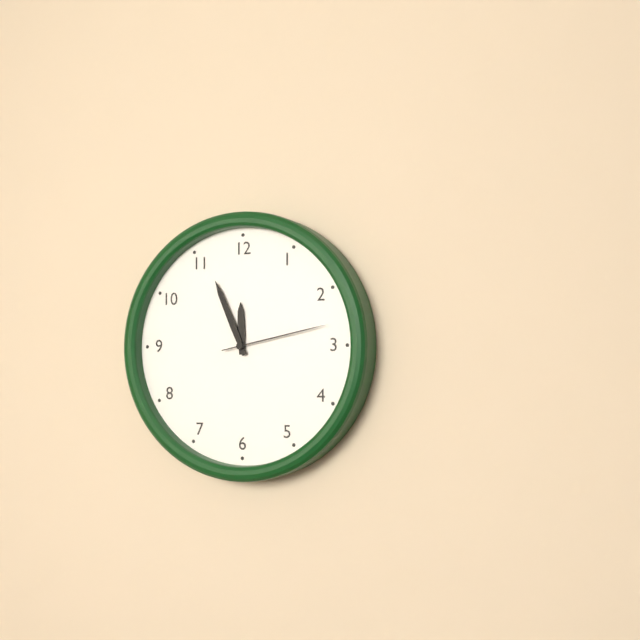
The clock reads 11h56m13s
